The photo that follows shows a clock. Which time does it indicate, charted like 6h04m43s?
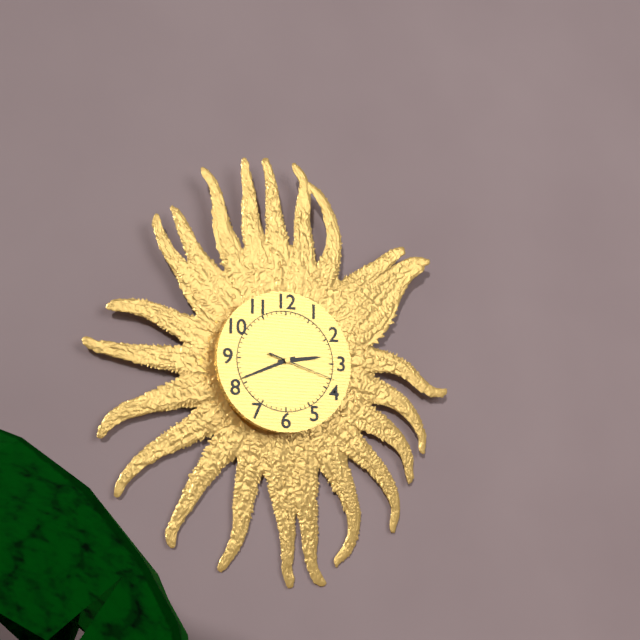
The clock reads 2h41m18s
